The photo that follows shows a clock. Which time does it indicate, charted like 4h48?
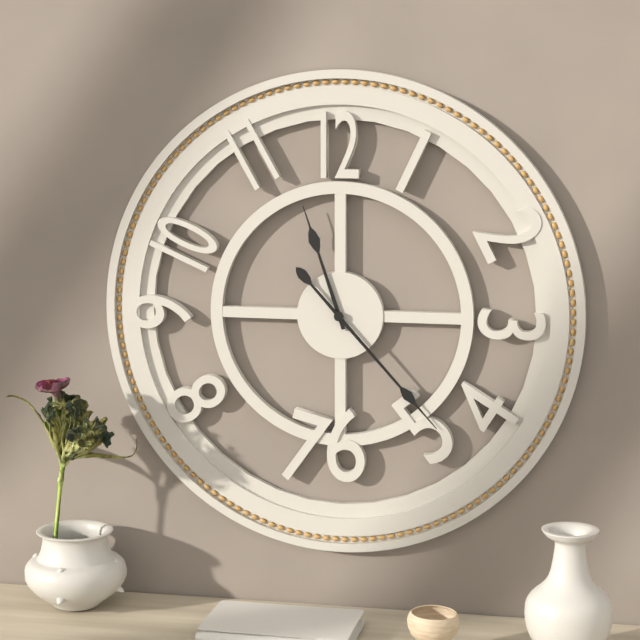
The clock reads 11h23
